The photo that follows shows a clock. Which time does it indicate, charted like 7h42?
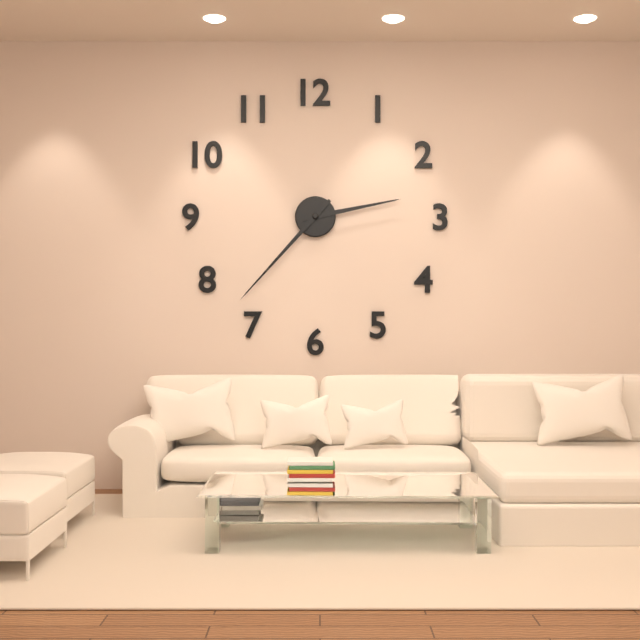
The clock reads 2h37
